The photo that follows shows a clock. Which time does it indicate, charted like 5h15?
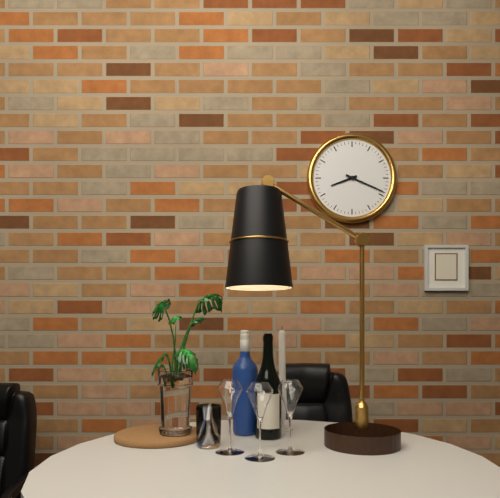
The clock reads 8h19
